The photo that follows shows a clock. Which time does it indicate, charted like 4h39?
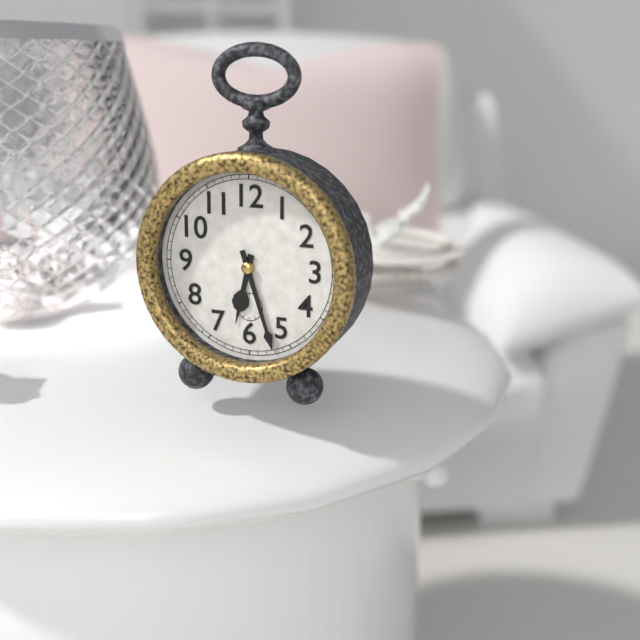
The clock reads 6h27
